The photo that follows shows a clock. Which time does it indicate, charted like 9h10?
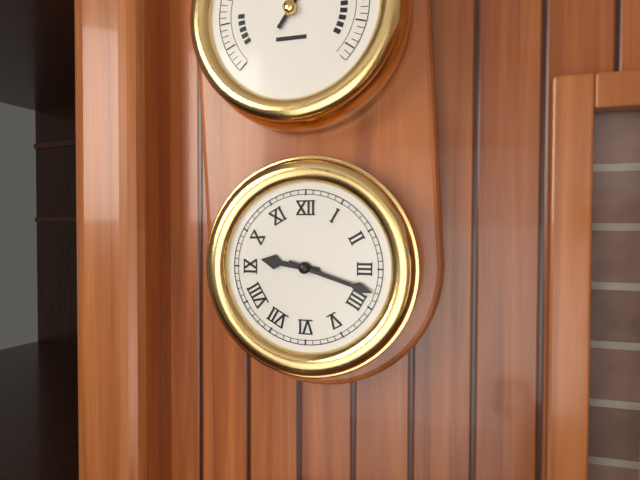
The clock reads 9h18
